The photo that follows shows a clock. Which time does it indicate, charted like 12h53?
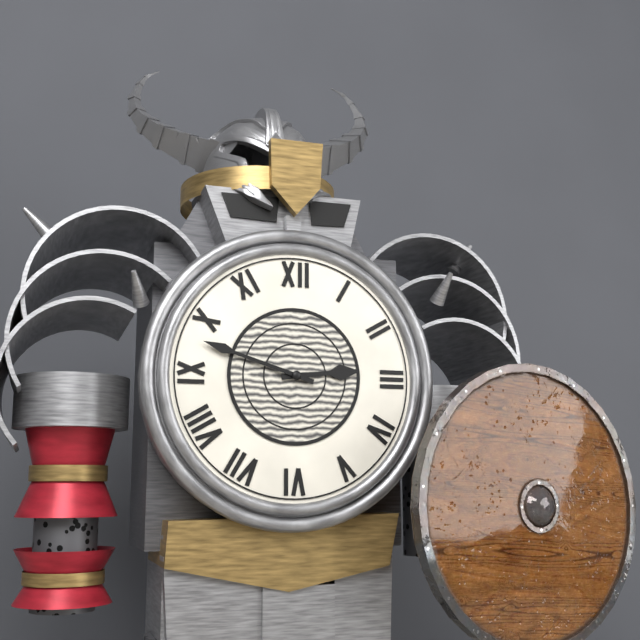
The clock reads 2h48
